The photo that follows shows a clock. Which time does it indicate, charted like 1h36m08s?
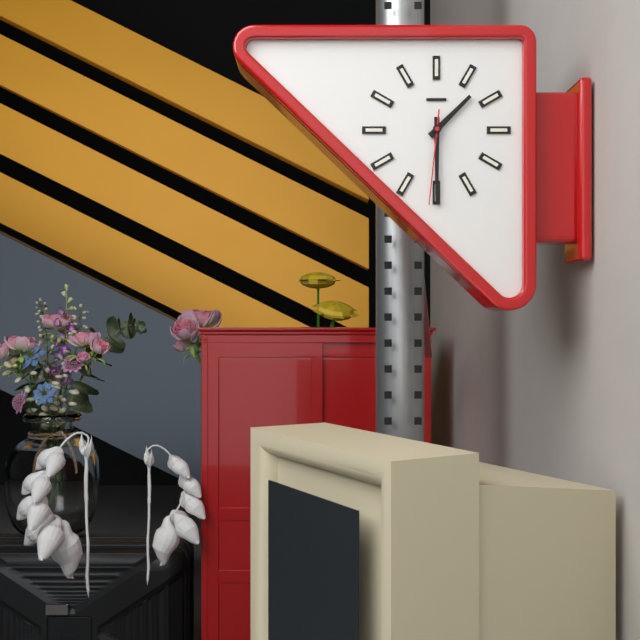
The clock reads 1h30m31s
